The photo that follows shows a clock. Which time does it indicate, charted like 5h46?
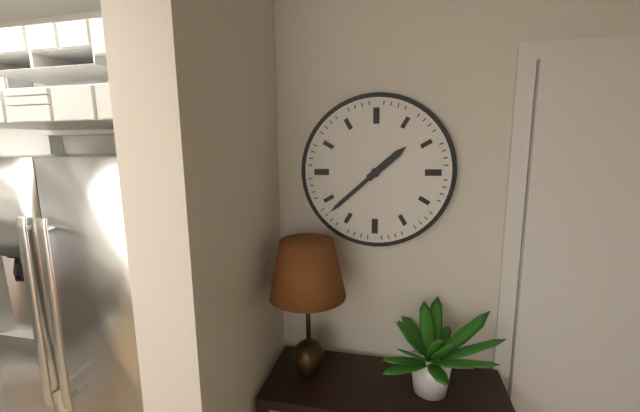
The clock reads 1h38
